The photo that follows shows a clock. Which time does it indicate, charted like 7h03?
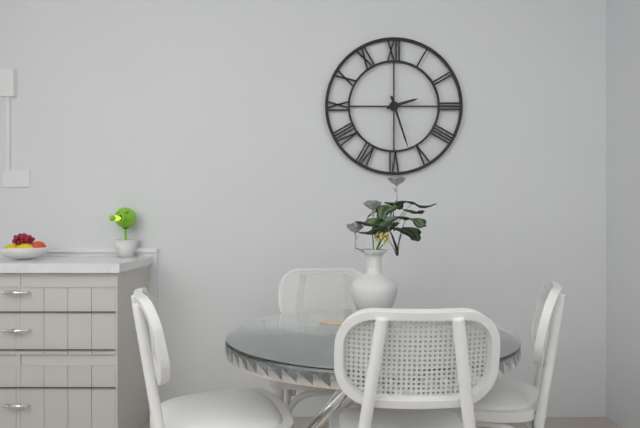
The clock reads 2h27
